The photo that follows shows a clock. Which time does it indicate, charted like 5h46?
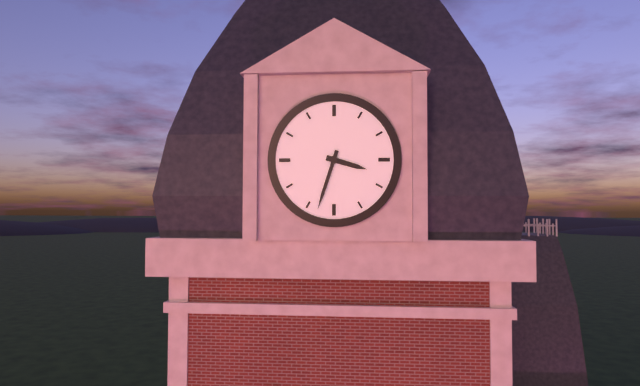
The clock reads 3h33
